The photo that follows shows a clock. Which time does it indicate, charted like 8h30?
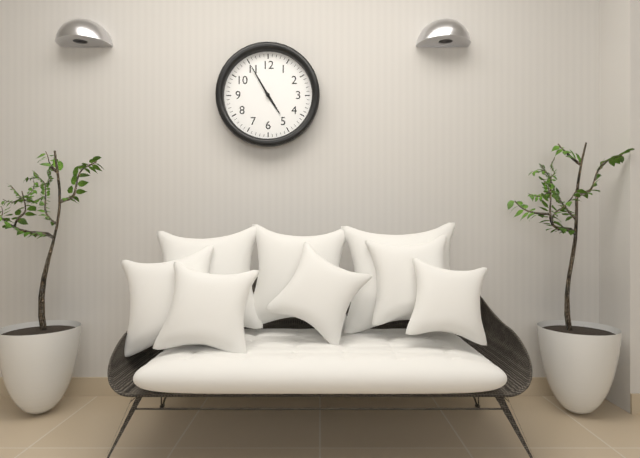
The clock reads 4h55
